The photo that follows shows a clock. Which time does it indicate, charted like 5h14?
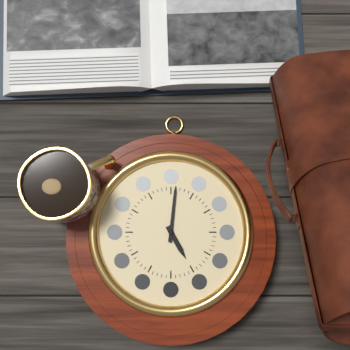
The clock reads 5h01
